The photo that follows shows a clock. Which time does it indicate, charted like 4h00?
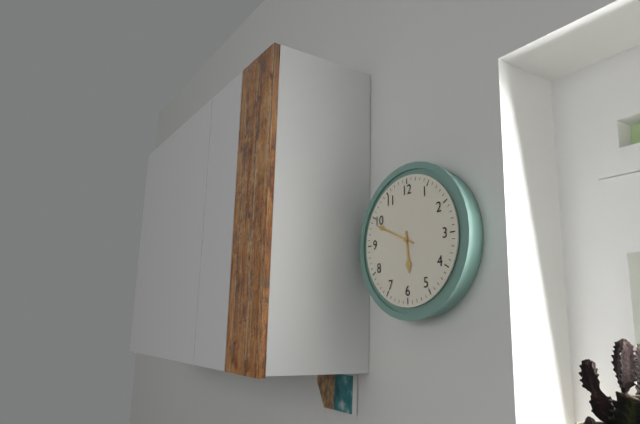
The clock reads 5h49
